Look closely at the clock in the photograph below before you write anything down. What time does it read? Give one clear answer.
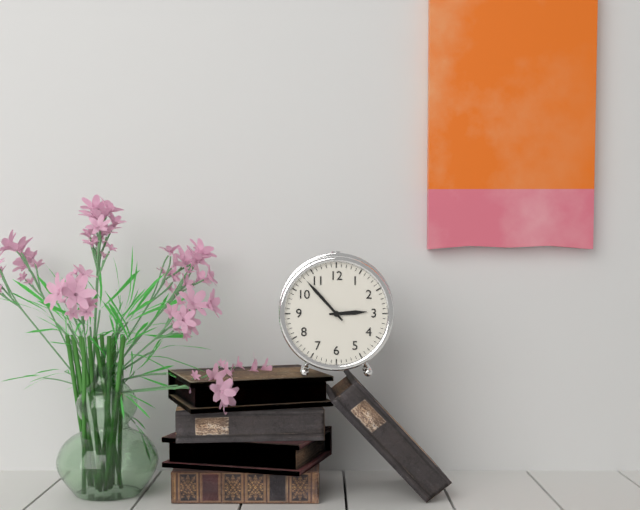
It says 2:53
